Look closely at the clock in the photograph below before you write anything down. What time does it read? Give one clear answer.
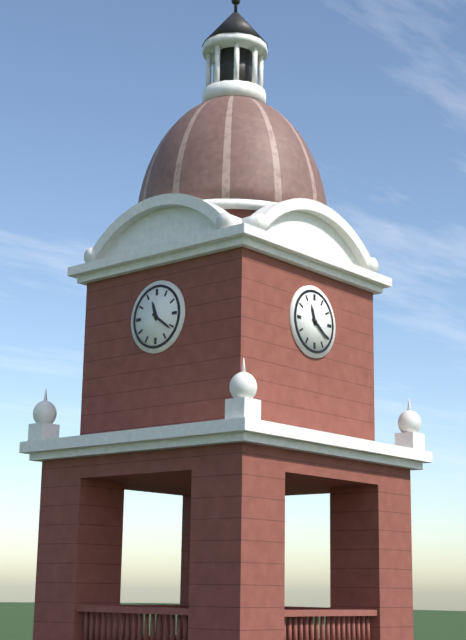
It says 11:21
